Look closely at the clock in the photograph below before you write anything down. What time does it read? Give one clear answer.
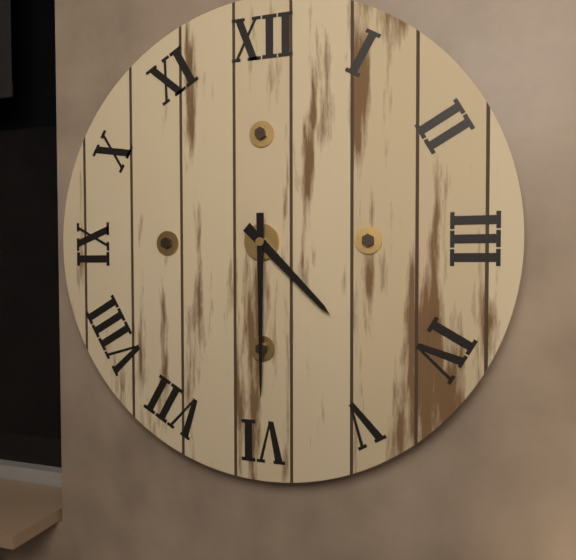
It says 4:30
